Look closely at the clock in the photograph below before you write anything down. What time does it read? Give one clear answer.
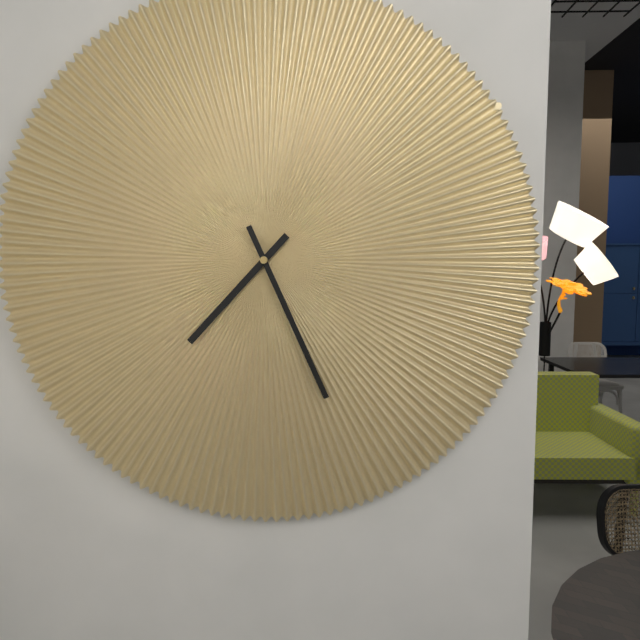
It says 7:26
